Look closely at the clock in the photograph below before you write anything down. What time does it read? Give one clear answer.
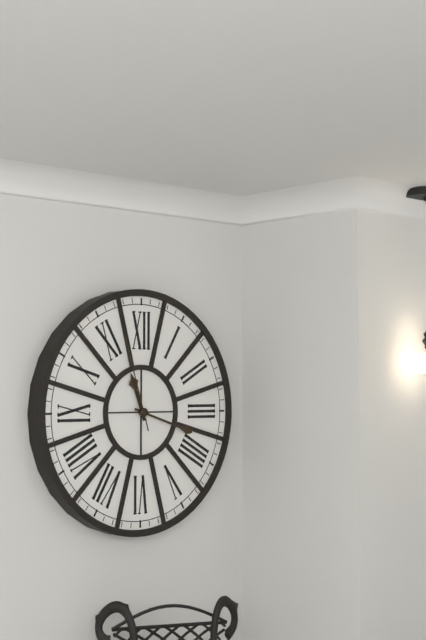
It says 11:18:57
